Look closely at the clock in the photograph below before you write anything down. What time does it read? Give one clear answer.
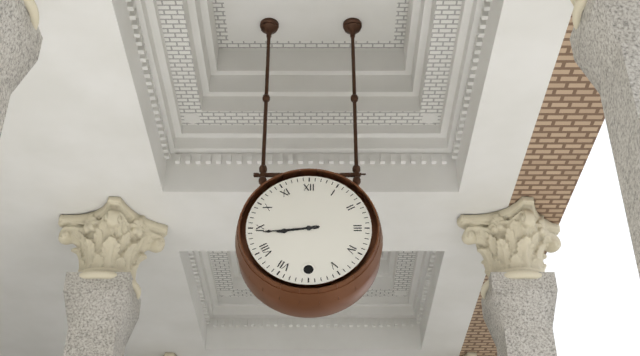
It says 8:44
